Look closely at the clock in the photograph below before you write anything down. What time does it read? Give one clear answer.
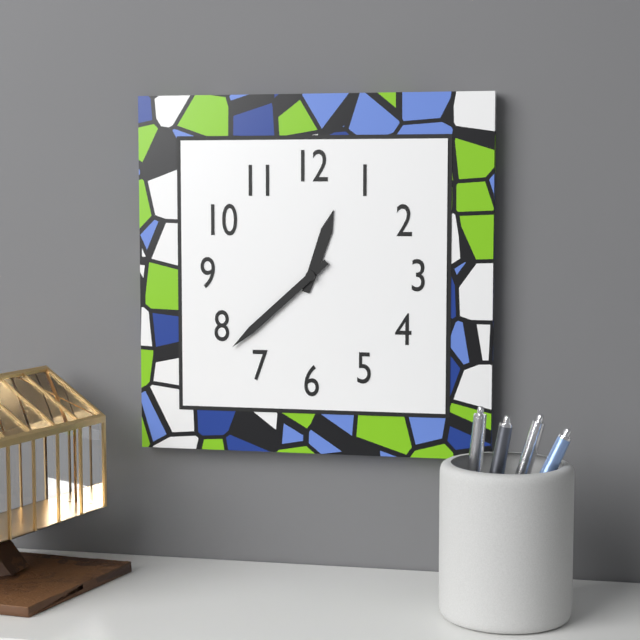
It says 12:38
